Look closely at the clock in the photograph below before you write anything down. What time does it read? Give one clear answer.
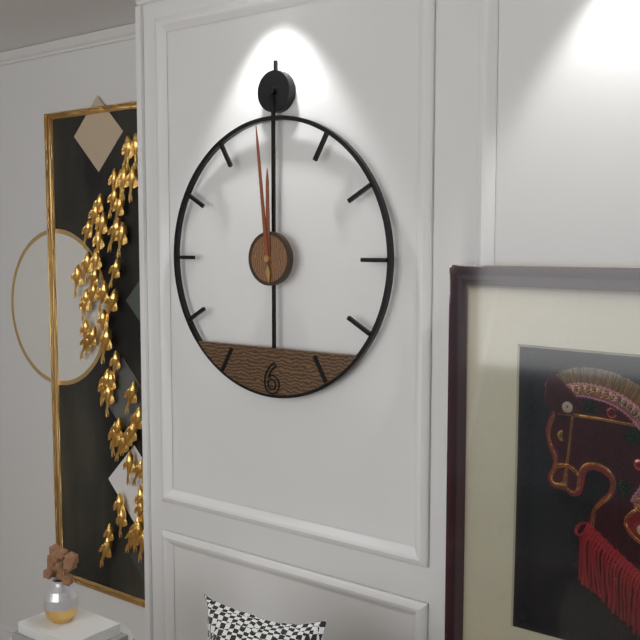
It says 11:59
